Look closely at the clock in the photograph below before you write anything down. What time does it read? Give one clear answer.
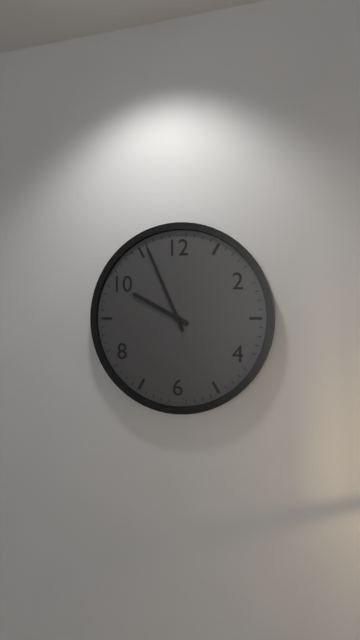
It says 9:56
